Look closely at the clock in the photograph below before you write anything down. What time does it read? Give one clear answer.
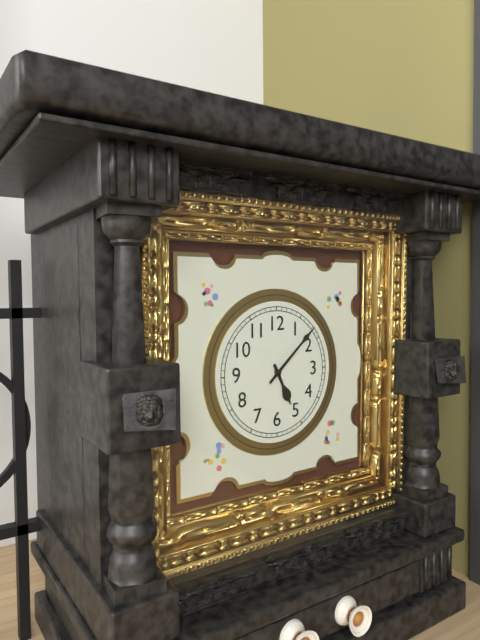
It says 5:08
